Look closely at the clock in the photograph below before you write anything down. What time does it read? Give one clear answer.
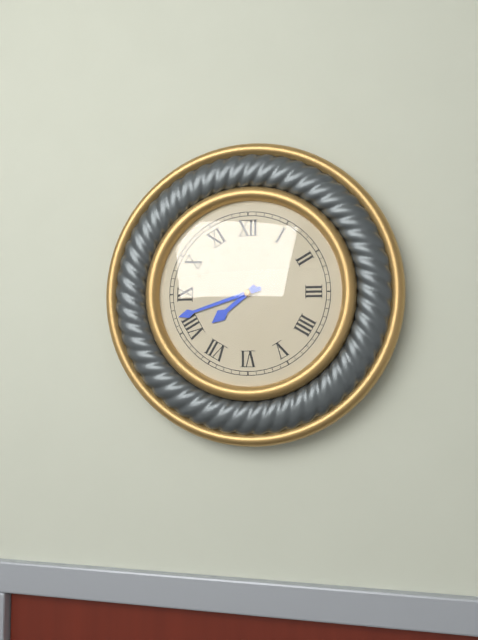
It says 7:42
